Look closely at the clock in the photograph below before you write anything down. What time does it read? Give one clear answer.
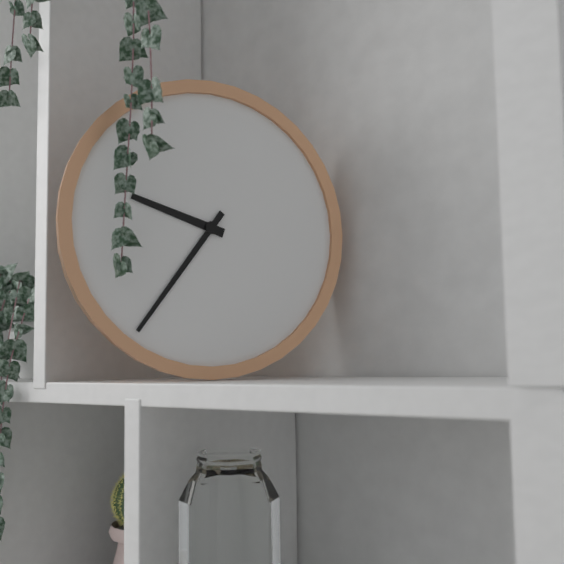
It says 9:36
